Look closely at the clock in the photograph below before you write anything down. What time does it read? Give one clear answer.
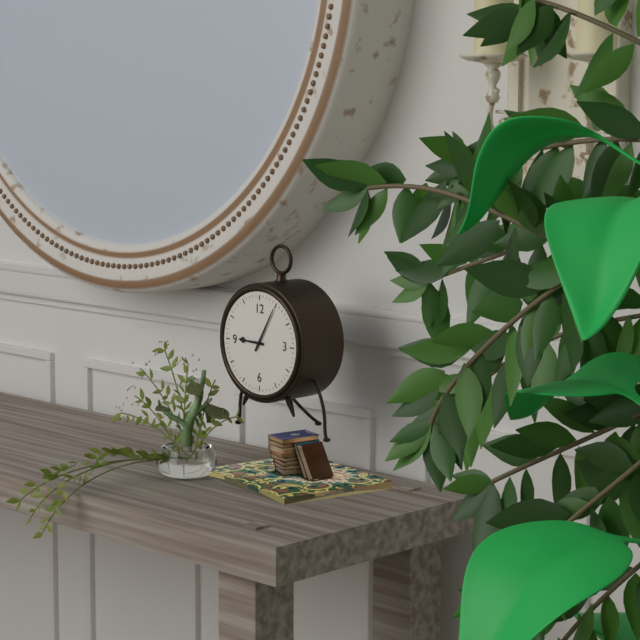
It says 9:05
